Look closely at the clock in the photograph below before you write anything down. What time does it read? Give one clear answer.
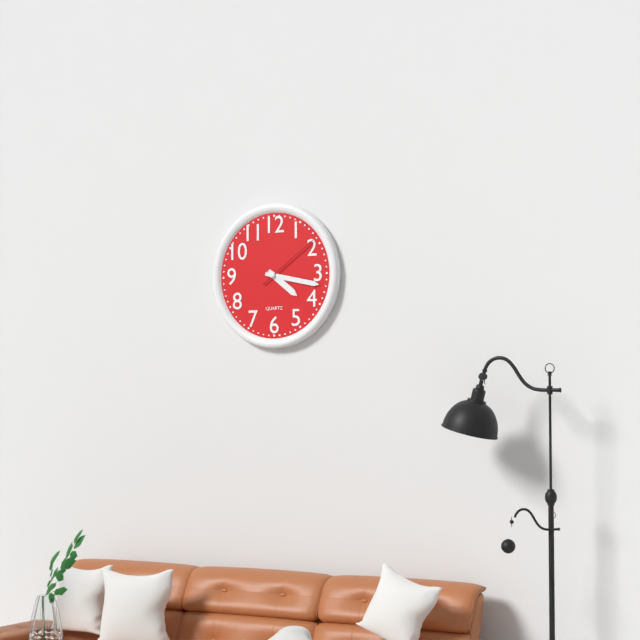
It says 4:17:09
